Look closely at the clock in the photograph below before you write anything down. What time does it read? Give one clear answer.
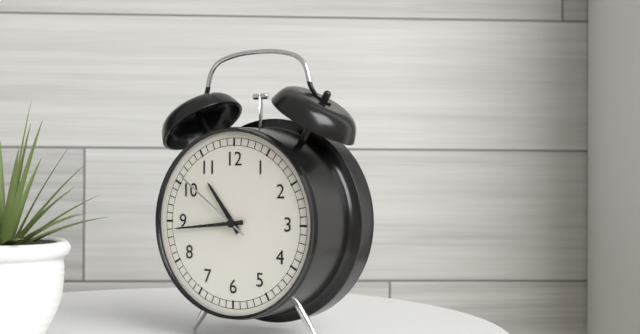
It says 10:44:51
